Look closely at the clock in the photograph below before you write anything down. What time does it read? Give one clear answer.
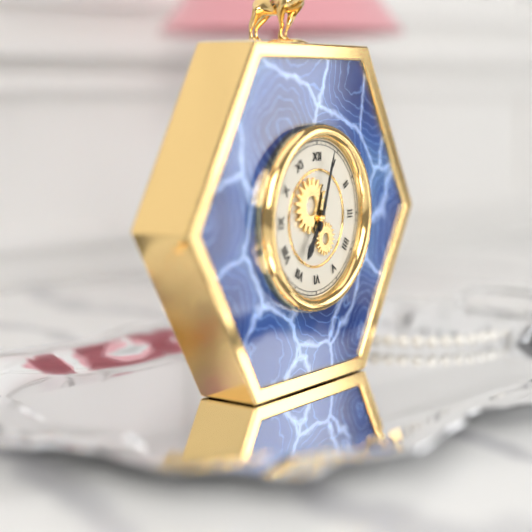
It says 7:03
